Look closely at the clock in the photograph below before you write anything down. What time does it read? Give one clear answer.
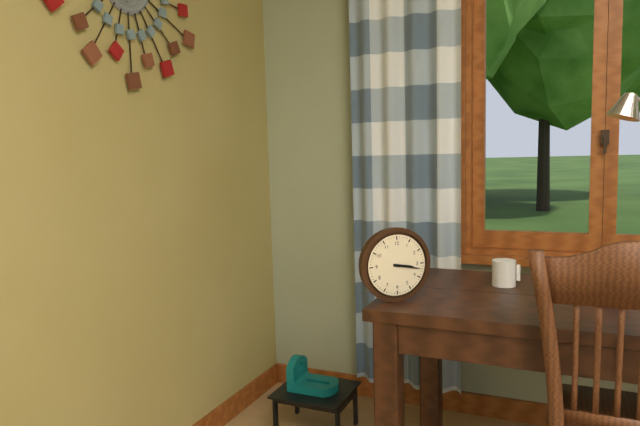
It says 3:17
